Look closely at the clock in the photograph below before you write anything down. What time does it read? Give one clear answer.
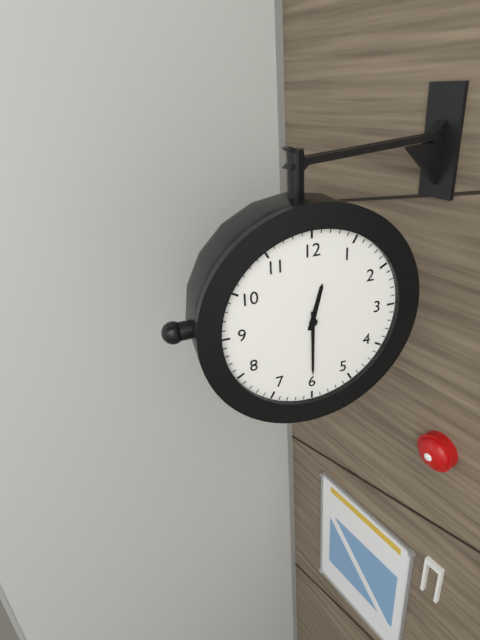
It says 12:30
